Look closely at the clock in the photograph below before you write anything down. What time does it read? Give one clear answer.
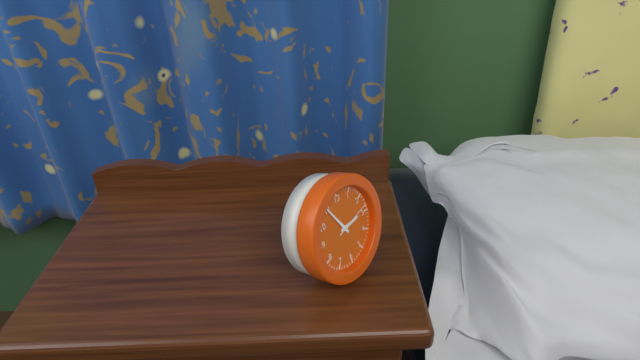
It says 2:55
